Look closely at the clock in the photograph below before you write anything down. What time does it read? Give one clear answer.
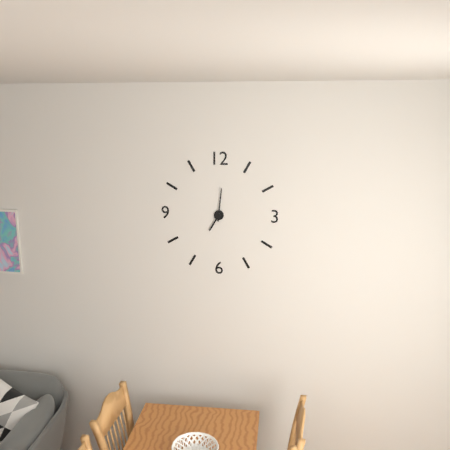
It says 7:01
